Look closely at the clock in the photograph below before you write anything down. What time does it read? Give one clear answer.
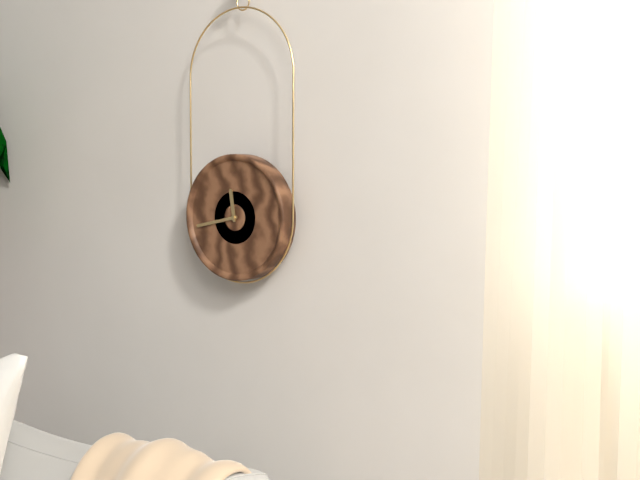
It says 11:43
